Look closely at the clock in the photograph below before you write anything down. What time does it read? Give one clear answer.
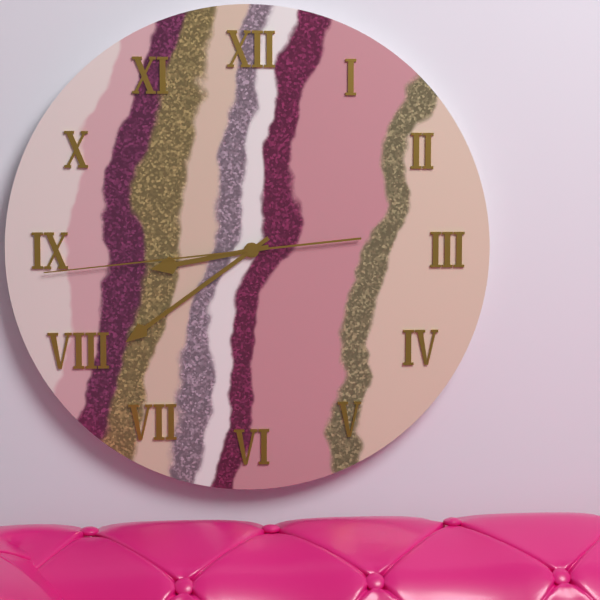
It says 8:39:44
